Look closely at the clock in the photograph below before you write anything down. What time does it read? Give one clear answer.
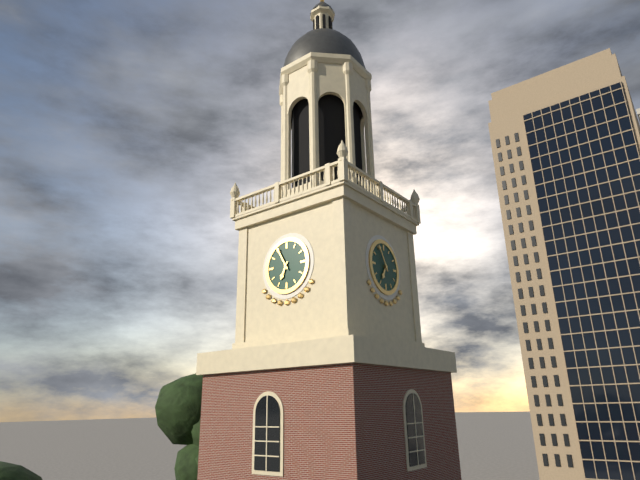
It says 6:55
